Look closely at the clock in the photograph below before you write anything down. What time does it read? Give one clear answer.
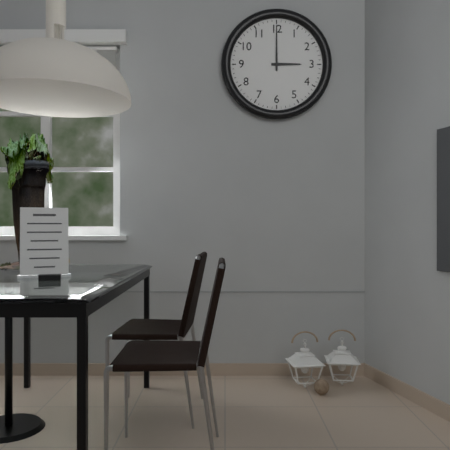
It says 3:00
